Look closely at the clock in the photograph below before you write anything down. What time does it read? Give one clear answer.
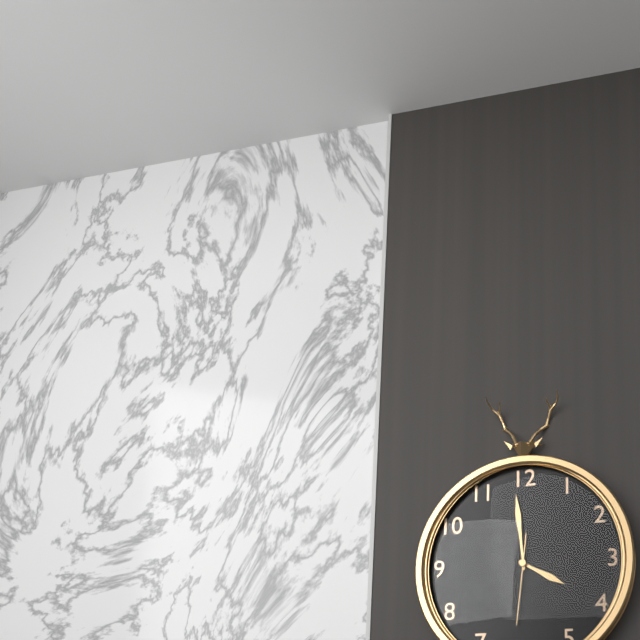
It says 3:59:31
